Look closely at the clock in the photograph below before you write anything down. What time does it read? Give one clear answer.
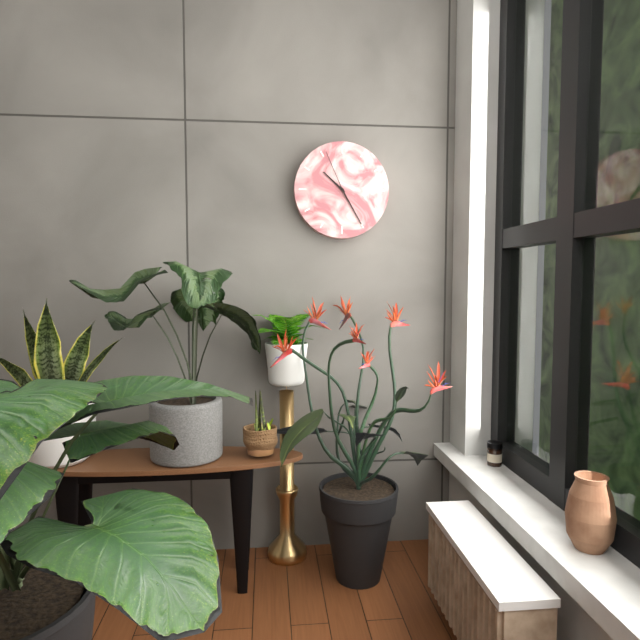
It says 10:25:56
